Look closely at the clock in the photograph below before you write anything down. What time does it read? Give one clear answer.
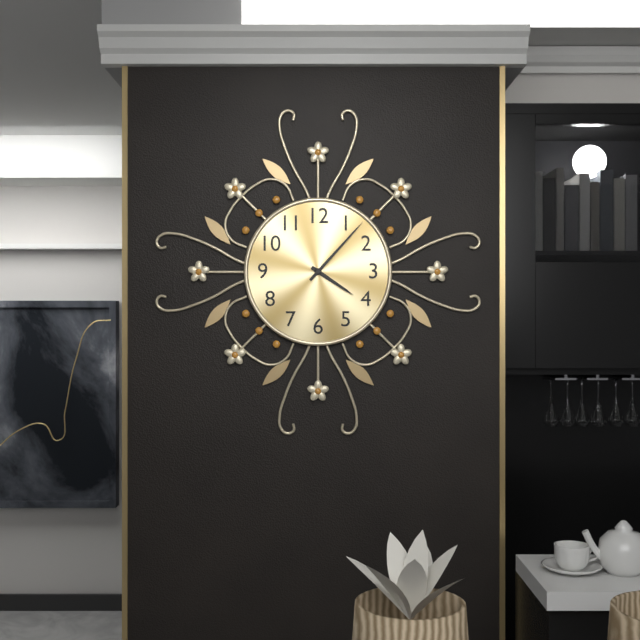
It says 4:07
